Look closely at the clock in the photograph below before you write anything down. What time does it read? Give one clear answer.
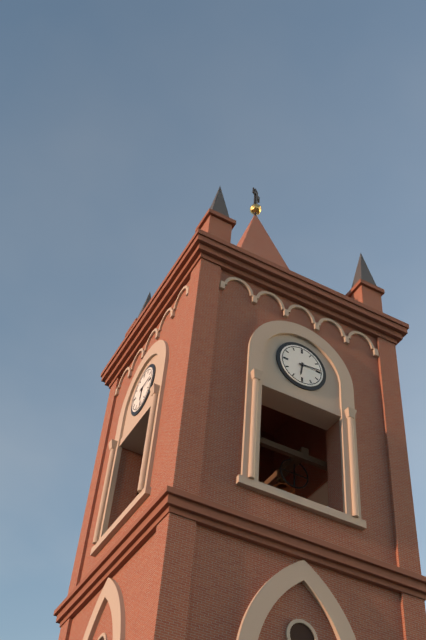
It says 6:14
